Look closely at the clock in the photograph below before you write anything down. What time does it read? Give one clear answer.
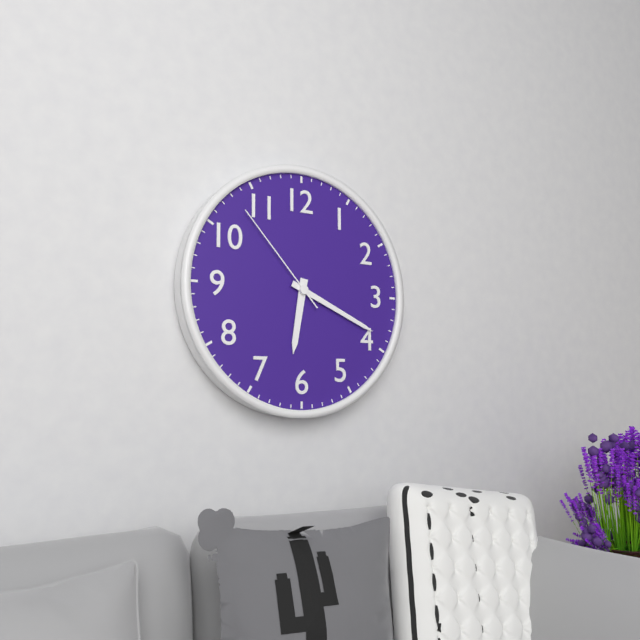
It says 6:19:53
